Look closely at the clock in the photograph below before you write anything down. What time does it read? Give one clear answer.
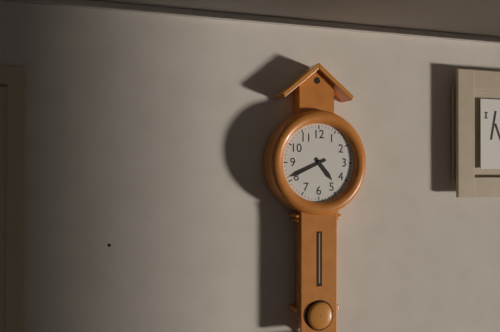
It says 4:41
